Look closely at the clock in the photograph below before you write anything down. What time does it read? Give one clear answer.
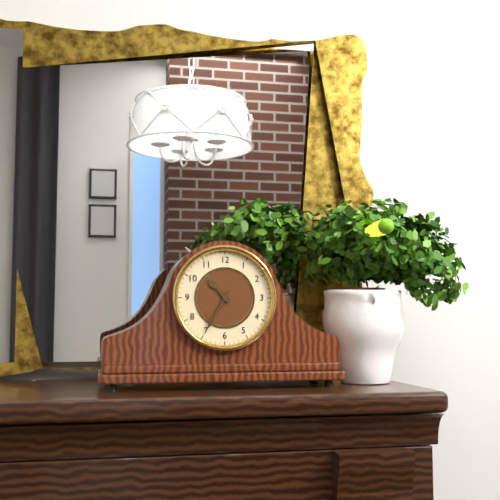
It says 10:35
